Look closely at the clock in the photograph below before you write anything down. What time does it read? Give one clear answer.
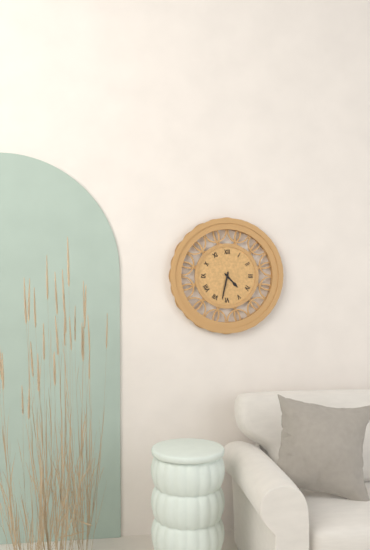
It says 4:32
